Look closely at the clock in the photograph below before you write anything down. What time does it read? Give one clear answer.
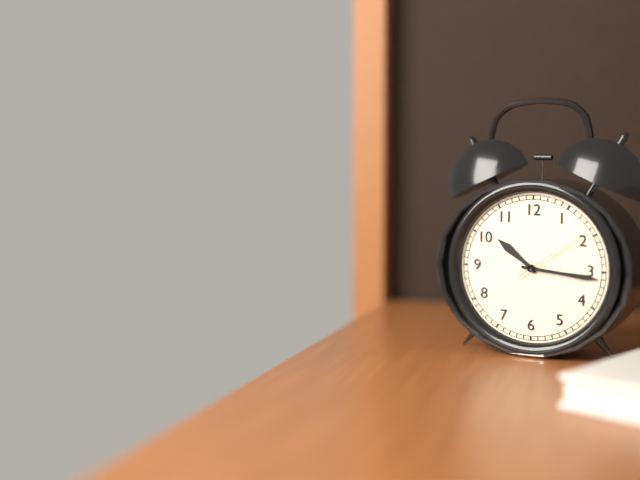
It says 10:16:09
